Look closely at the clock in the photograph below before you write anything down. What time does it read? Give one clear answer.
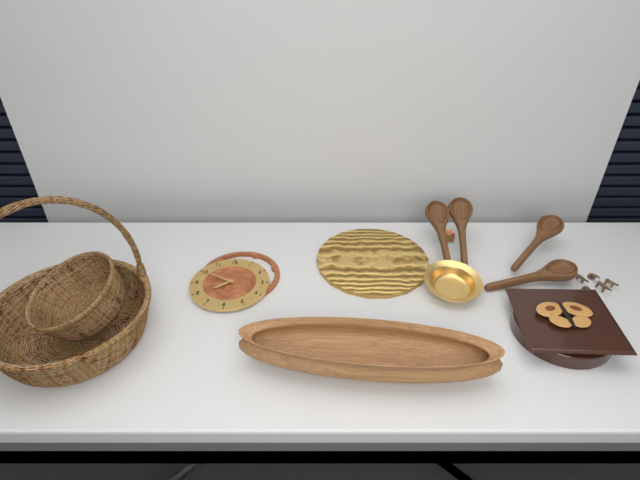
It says 7:50
